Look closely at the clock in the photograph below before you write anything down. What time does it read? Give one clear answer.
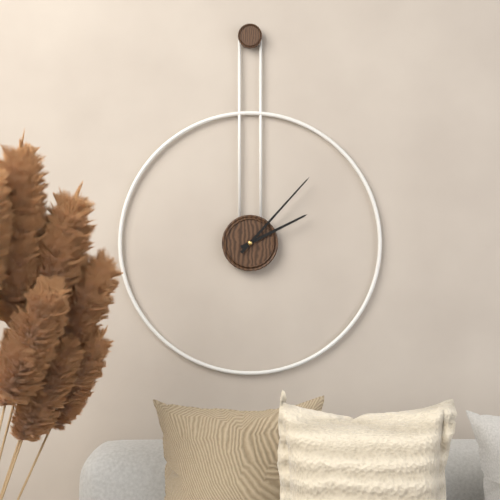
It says 2:07
